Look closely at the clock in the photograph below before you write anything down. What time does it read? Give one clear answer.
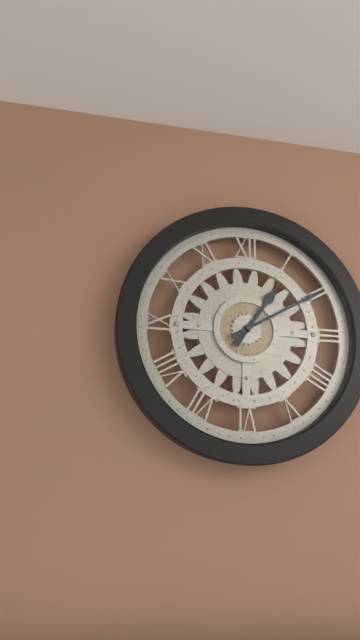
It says 1:10
